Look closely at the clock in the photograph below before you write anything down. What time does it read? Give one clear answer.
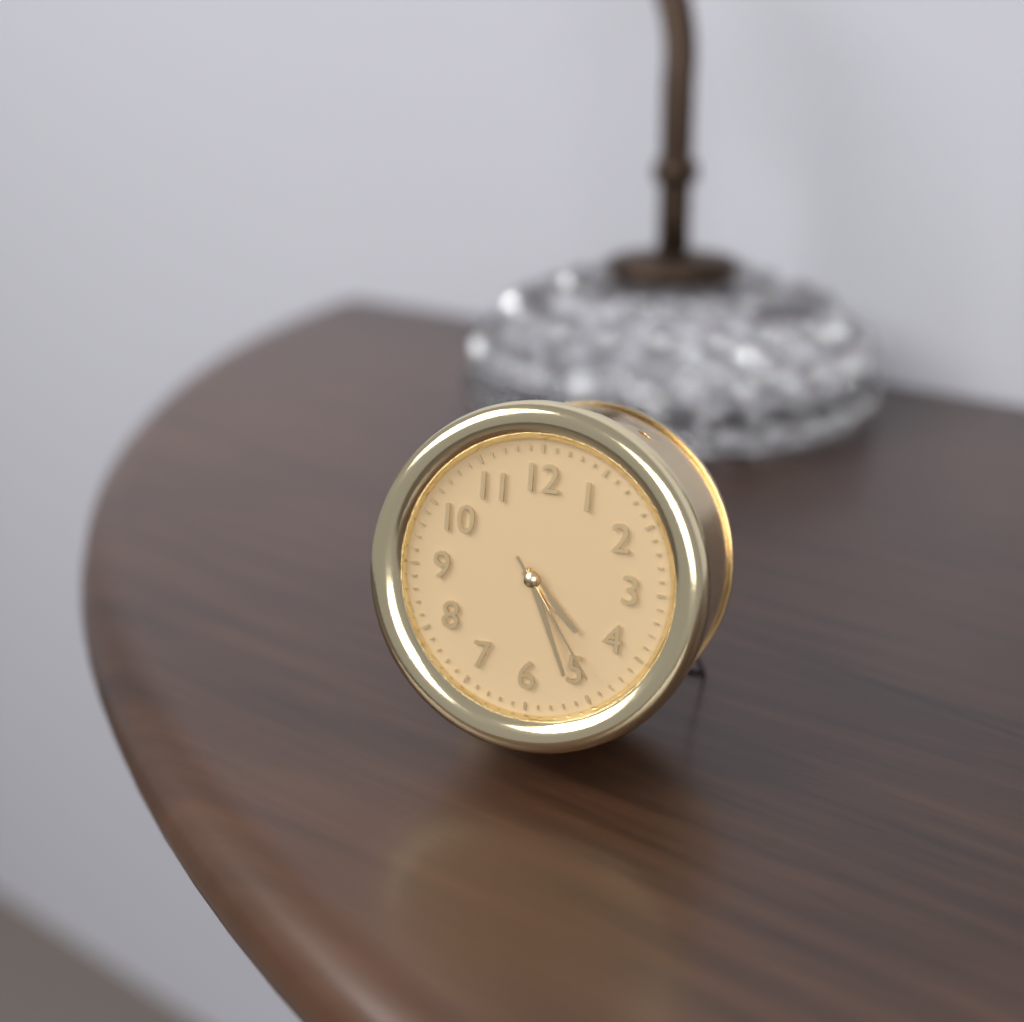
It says 4:26:24
